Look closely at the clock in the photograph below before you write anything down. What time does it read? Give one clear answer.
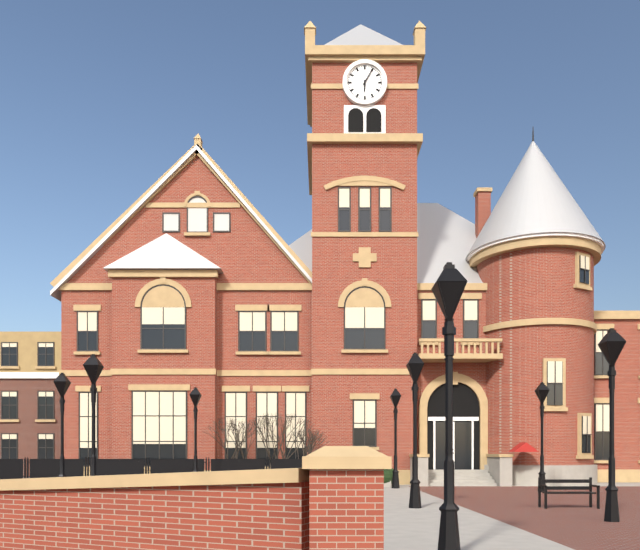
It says 6:05
